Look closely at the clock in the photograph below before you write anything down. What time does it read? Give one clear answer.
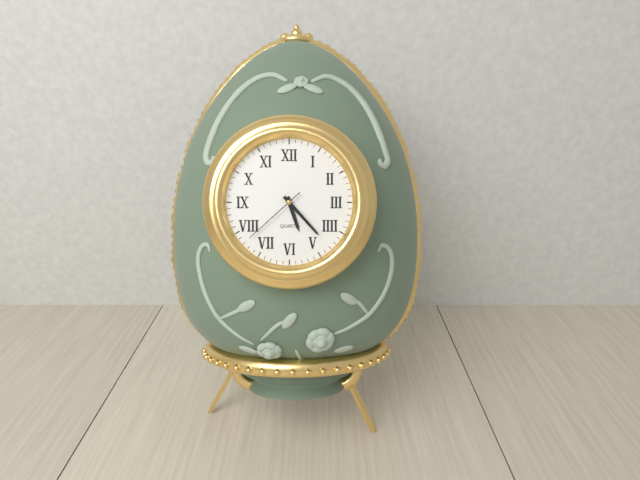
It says 5:23:38
